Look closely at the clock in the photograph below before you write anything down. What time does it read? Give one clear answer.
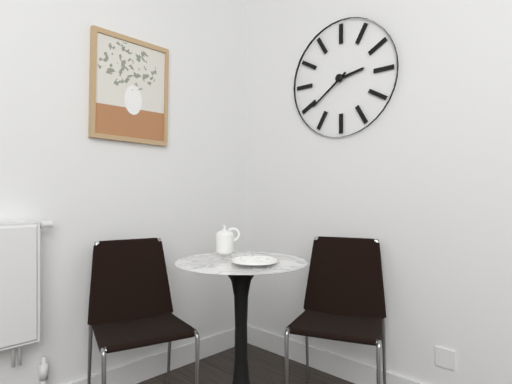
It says 2:39
